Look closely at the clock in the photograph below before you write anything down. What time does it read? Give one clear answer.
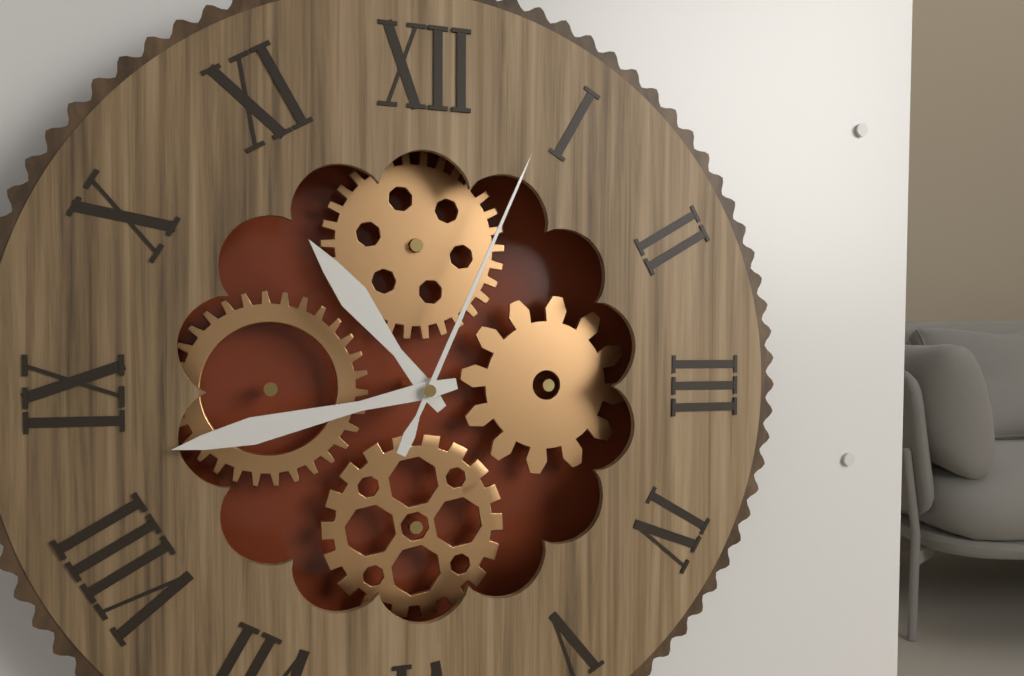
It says 10:43:04
